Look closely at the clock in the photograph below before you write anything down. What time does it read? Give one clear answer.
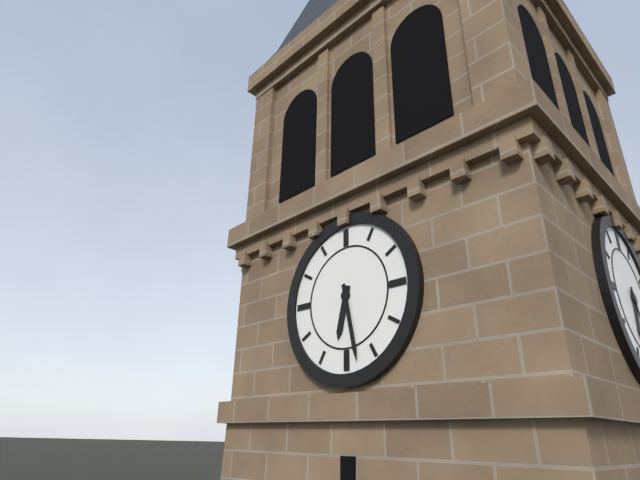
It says 6:28
